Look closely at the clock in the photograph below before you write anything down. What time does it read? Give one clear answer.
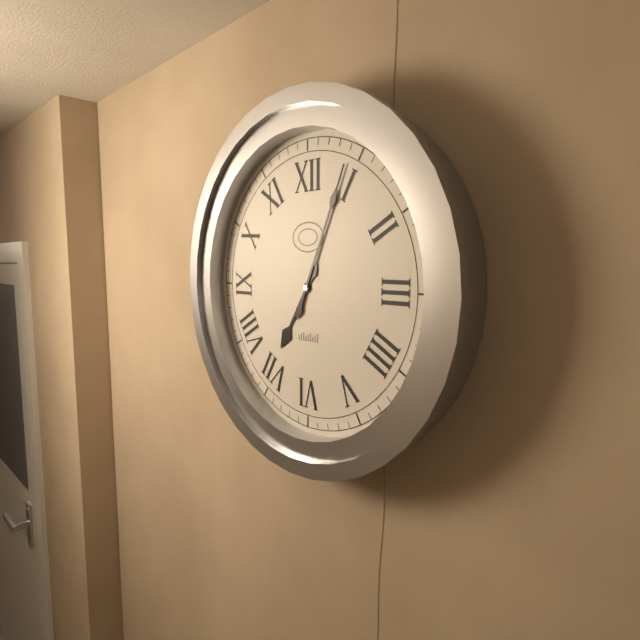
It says 7:04
